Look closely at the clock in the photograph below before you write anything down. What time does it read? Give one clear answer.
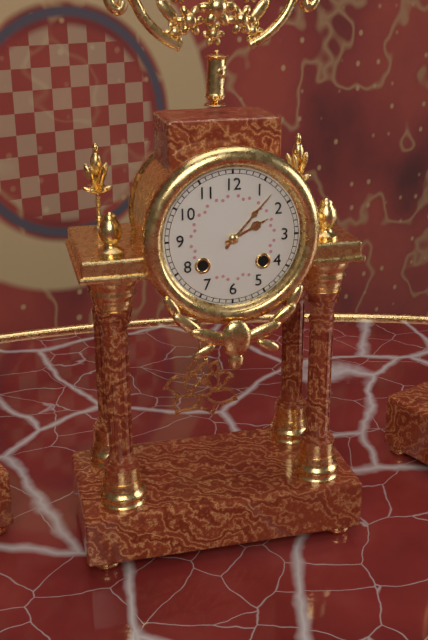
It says 2:07
